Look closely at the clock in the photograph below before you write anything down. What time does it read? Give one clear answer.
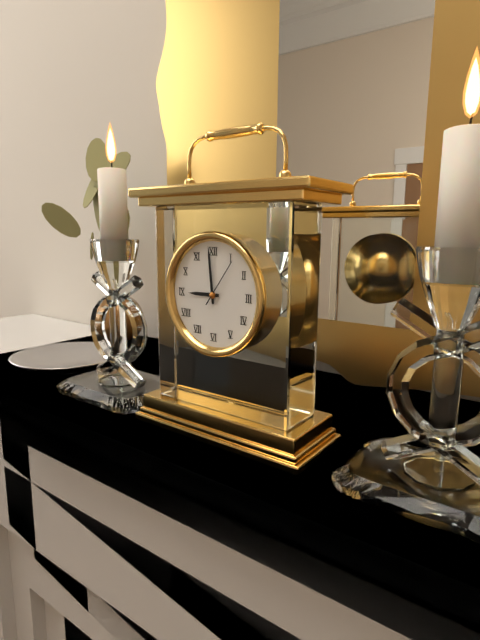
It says 8:59
